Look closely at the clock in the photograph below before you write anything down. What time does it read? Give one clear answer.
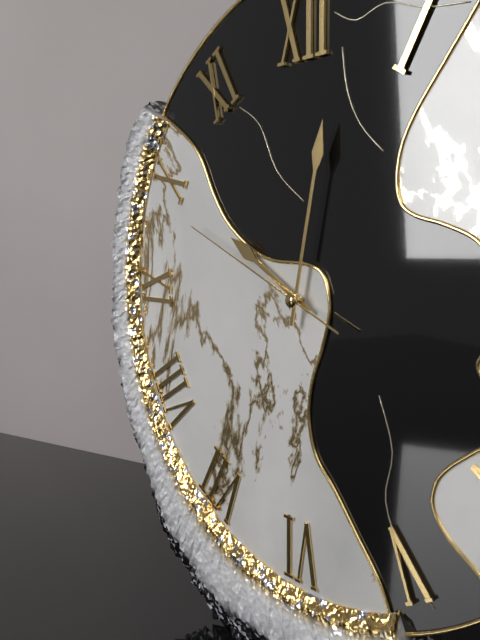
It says 10:02:49
